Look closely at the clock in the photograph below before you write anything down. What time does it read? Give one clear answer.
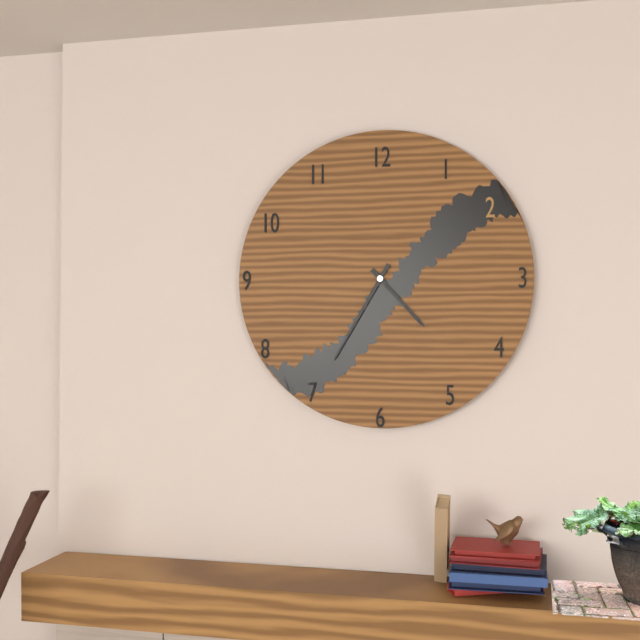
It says 4:35
